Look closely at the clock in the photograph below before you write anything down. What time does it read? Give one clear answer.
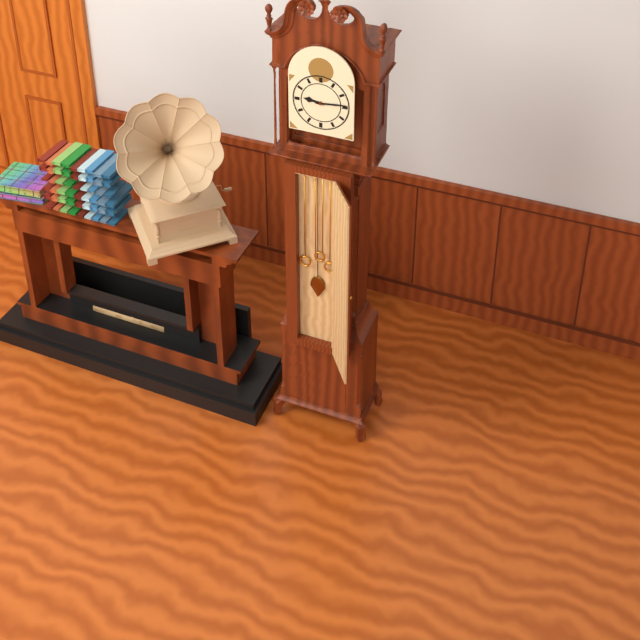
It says 9:14
